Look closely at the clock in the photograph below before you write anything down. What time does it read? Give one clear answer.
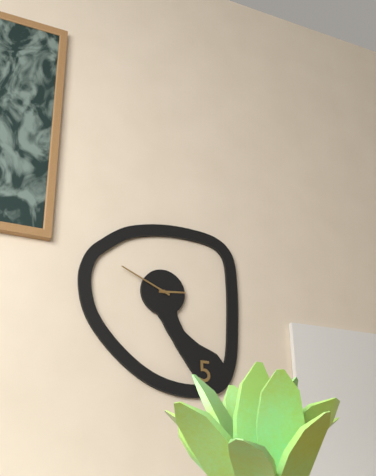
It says 2:49
